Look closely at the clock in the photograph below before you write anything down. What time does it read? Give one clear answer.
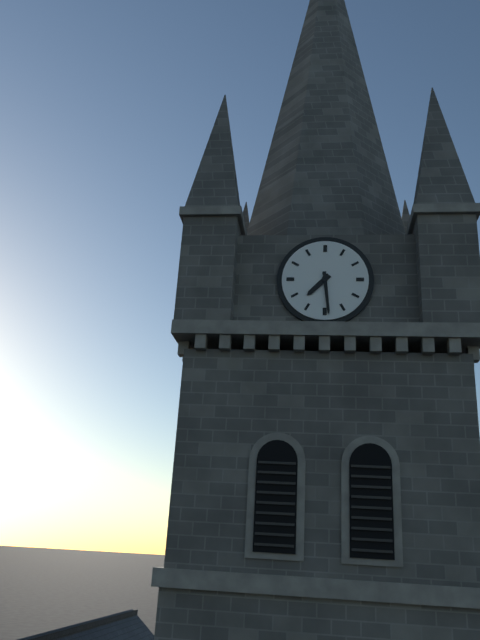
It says 7:29
